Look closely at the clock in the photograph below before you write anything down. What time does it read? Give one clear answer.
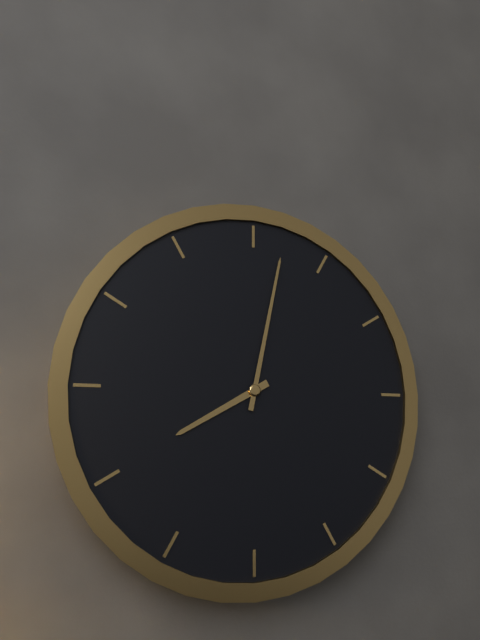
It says 8:02
